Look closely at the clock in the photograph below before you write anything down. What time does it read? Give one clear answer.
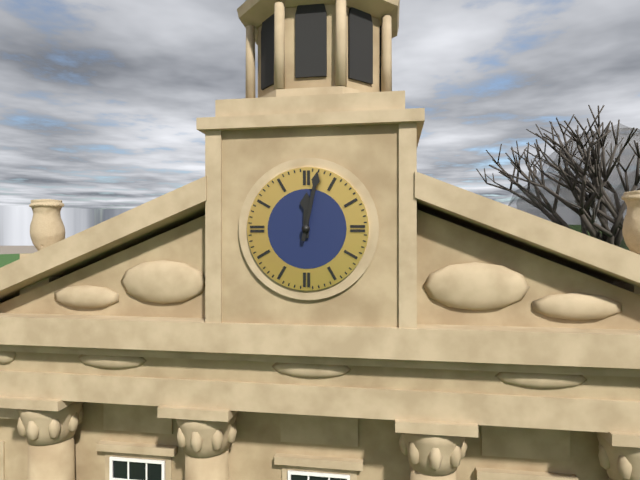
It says 12:02
